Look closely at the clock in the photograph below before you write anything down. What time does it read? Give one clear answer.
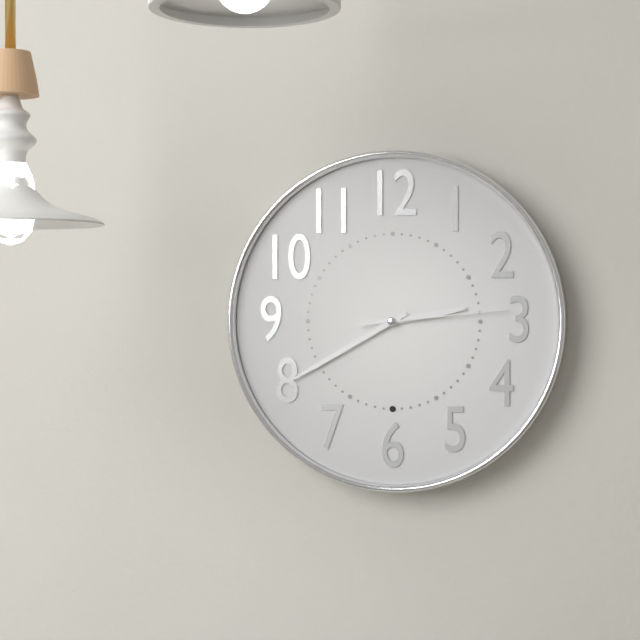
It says 2:40:14
